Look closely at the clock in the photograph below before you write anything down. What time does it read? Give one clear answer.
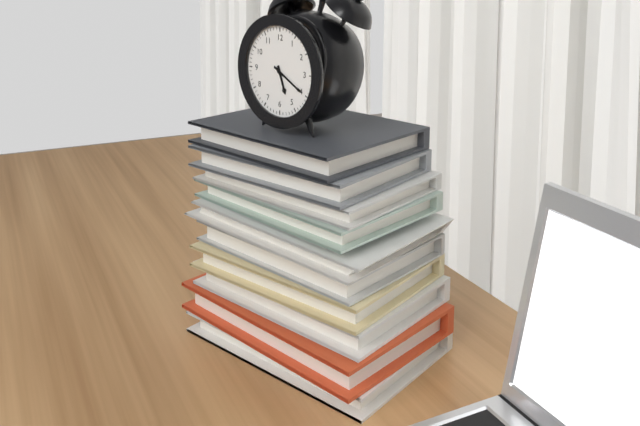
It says 5:20
